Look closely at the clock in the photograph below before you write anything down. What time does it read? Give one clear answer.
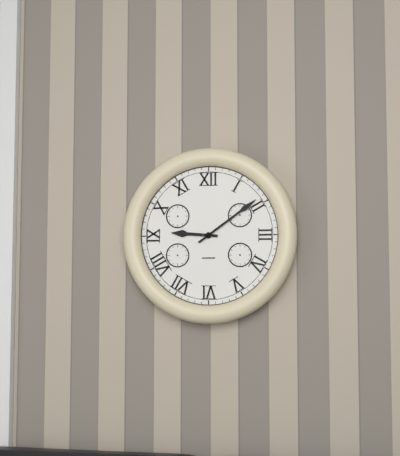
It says 9:09
